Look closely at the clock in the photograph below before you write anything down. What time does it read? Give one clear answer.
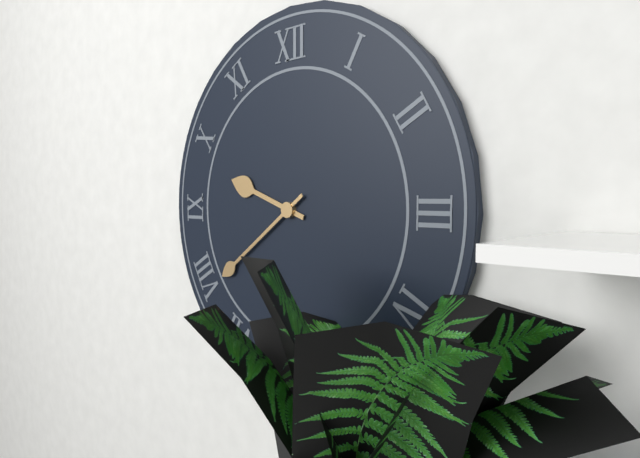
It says 9:39
